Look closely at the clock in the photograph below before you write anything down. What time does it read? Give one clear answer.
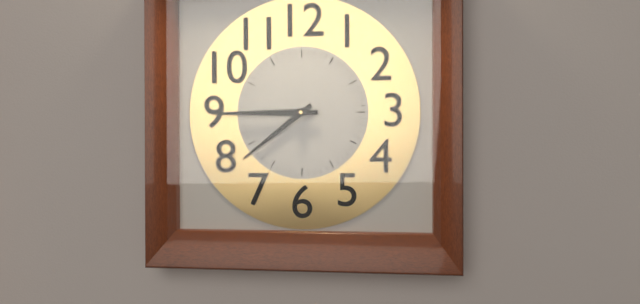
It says 7:45
